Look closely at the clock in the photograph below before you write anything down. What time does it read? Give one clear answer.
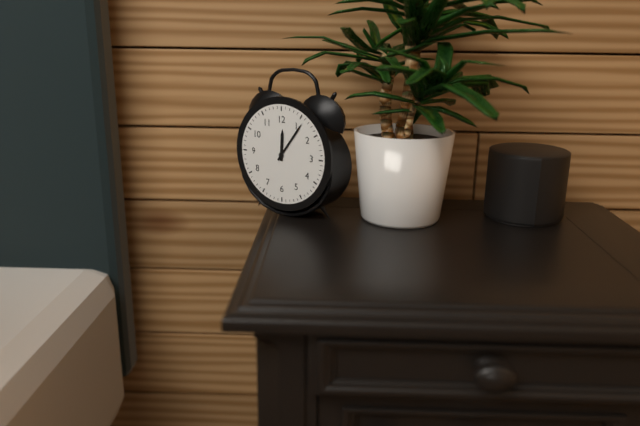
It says 12:06
